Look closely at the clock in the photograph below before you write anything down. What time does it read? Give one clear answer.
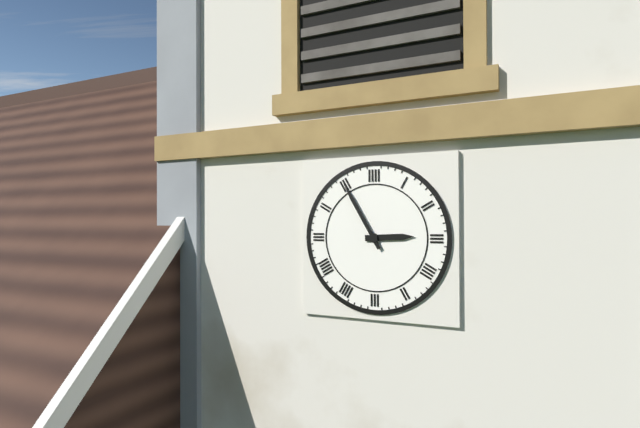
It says 2:55
